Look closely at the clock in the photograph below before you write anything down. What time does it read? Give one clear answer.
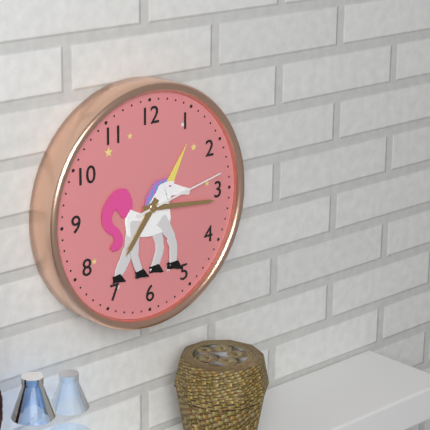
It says 7:16:13
